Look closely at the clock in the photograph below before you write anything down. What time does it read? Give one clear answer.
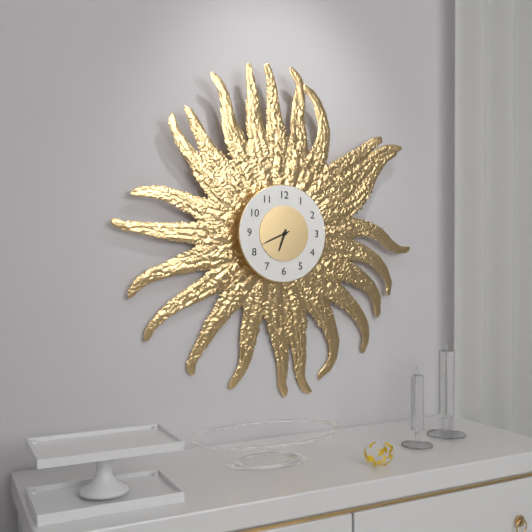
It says 6:41
